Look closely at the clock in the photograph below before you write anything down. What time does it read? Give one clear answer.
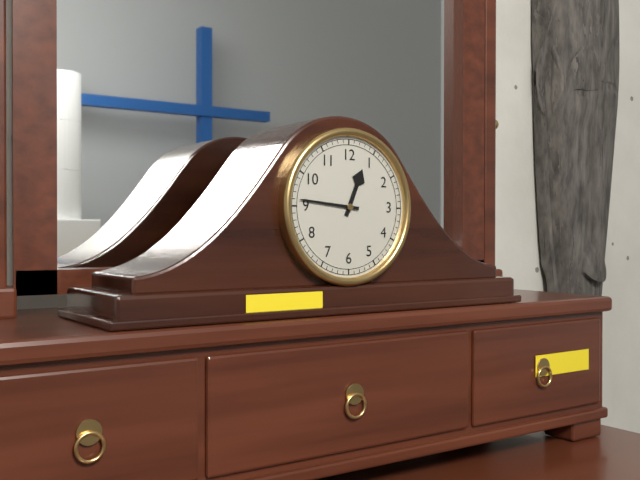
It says 12:46
